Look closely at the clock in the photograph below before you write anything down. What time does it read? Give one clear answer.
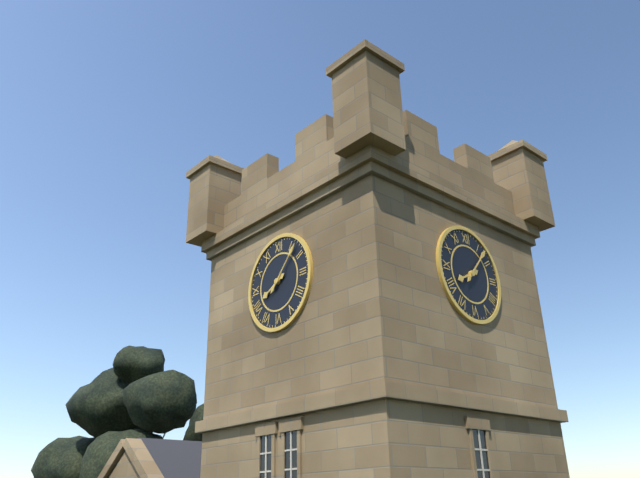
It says 8:07
